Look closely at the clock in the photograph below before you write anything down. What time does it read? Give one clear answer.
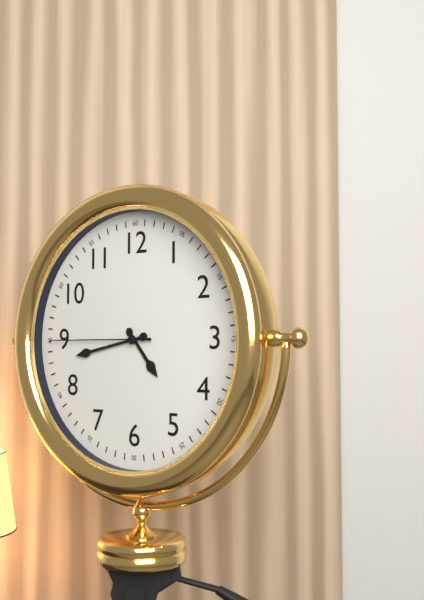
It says 4:43:45
